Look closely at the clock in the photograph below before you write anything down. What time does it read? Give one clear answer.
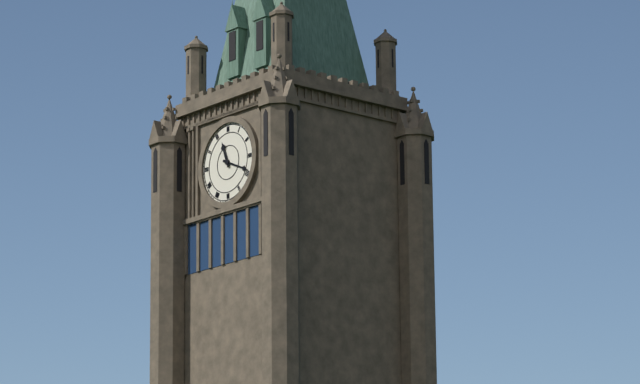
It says 11:19
